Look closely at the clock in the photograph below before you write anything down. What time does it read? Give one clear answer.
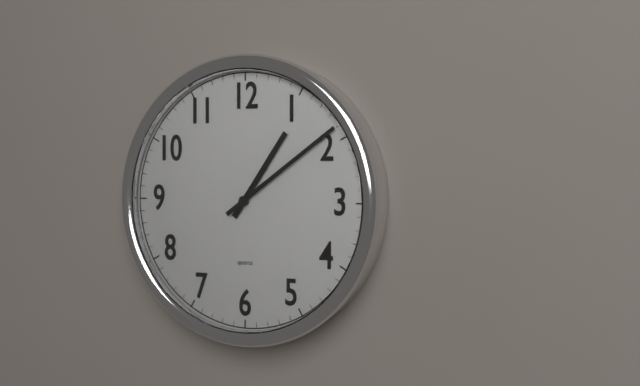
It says 1:09
